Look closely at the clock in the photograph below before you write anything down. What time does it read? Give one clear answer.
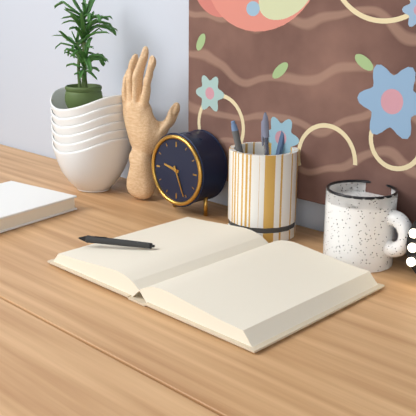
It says 9:26
